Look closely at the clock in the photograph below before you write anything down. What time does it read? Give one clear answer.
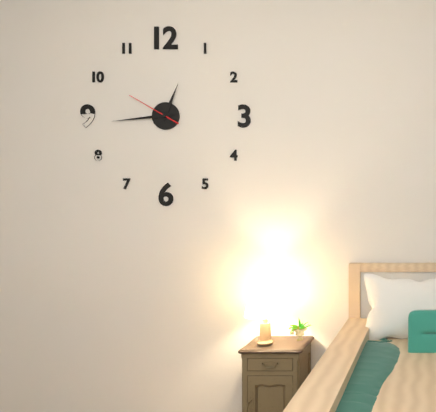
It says 12:44:50
